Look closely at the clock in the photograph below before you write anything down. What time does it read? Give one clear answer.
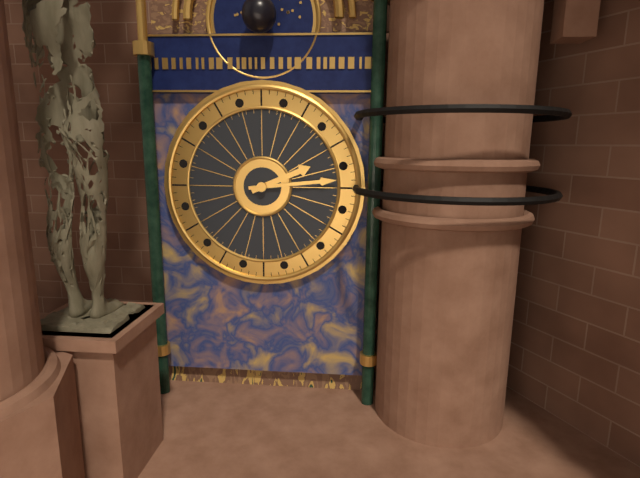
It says 2:14
